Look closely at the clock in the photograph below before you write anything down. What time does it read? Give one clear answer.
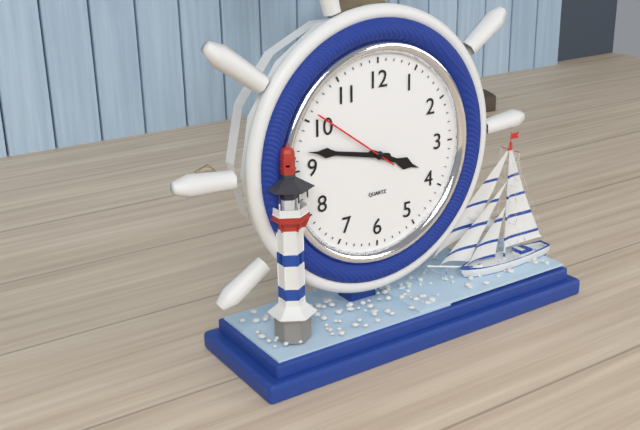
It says 3:47:51
